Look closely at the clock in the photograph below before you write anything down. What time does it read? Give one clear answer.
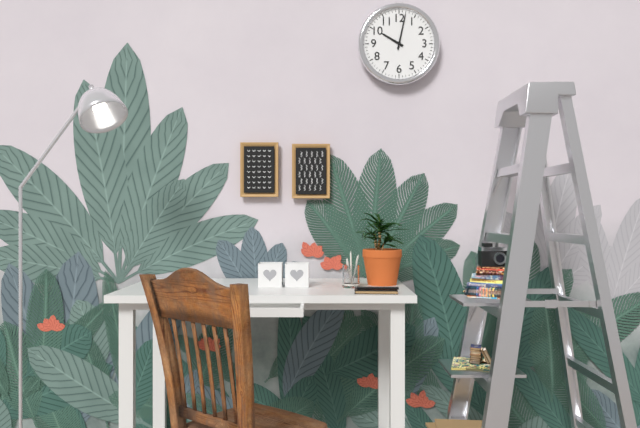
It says 10:02
